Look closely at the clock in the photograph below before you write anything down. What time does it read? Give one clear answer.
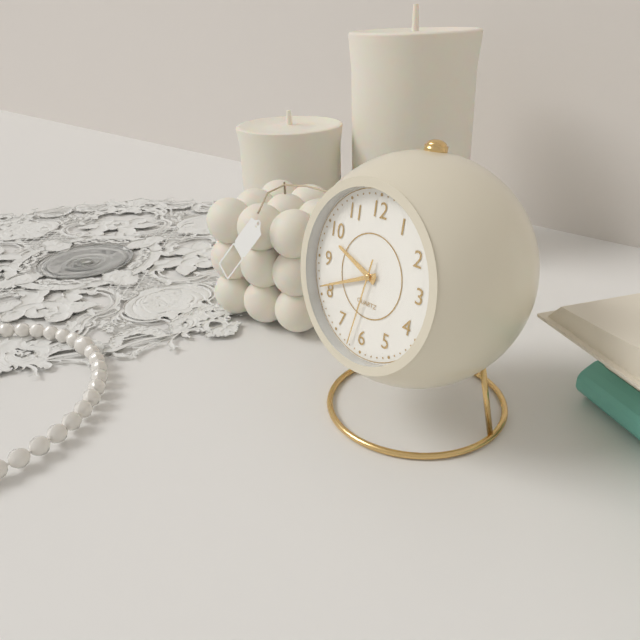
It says 9:41:32
